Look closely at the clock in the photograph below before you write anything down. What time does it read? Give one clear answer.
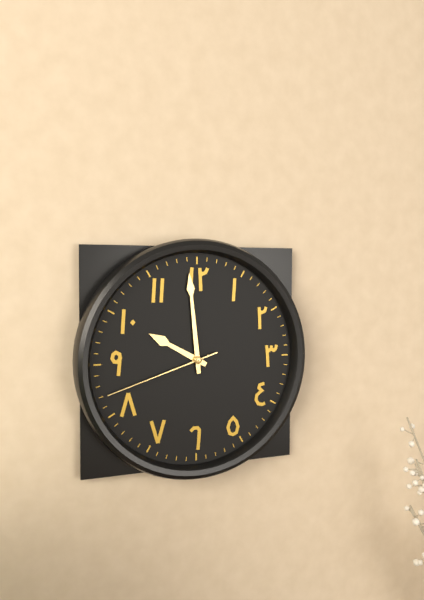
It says 9:59:42
